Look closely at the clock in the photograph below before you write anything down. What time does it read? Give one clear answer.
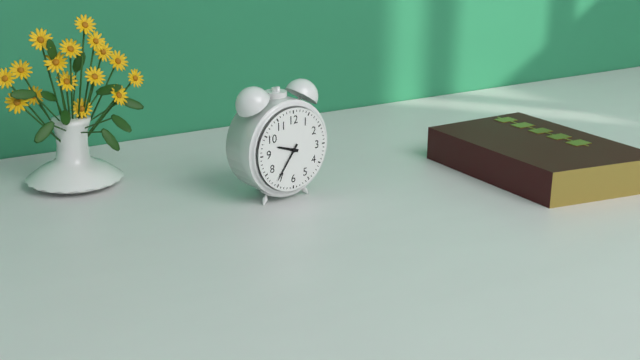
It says 9:36
